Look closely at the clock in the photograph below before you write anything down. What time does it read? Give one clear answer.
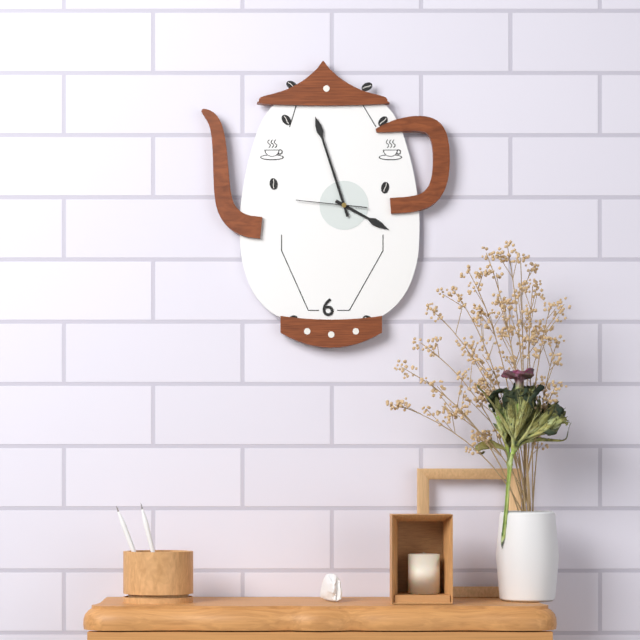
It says 3:57:46
